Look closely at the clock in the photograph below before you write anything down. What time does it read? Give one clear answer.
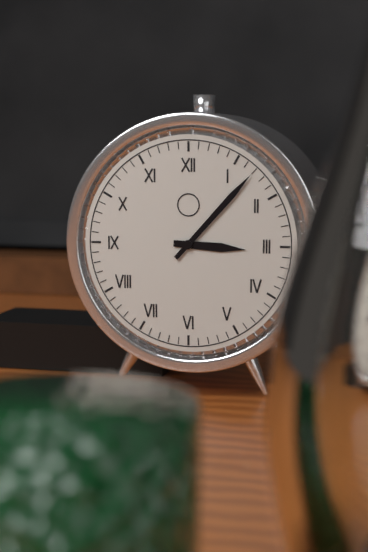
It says 3:07
